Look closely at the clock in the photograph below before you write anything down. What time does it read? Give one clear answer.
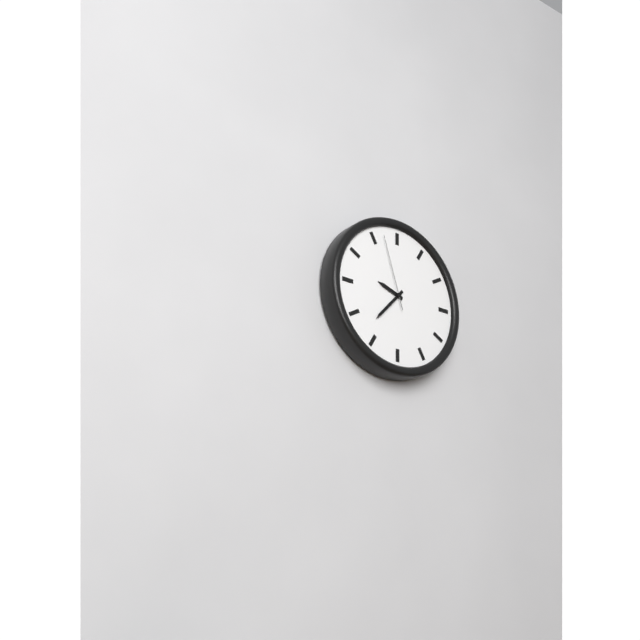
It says 9:37:57
